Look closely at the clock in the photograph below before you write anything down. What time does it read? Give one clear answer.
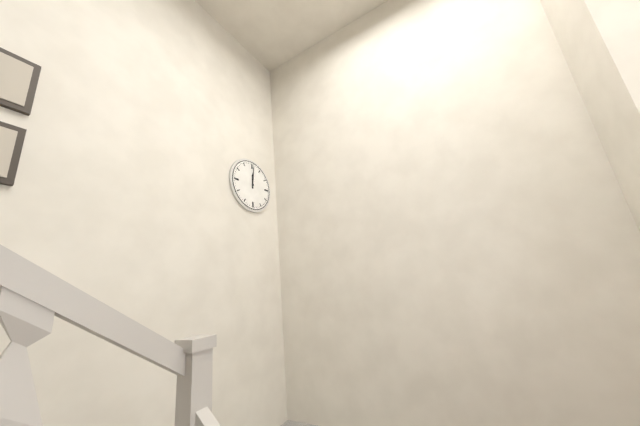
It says 12:01
